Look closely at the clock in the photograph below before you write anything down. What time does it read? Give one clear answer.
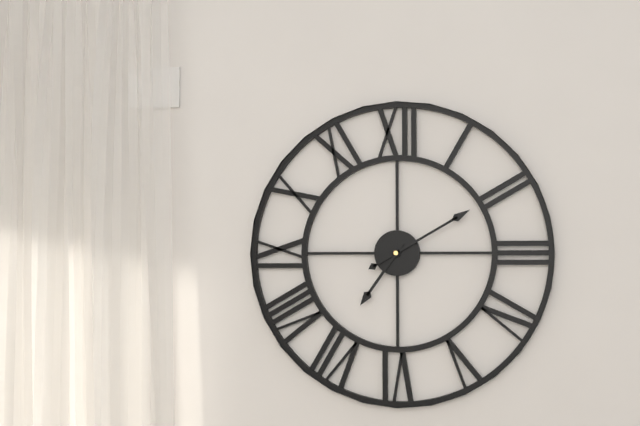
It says 7:10
